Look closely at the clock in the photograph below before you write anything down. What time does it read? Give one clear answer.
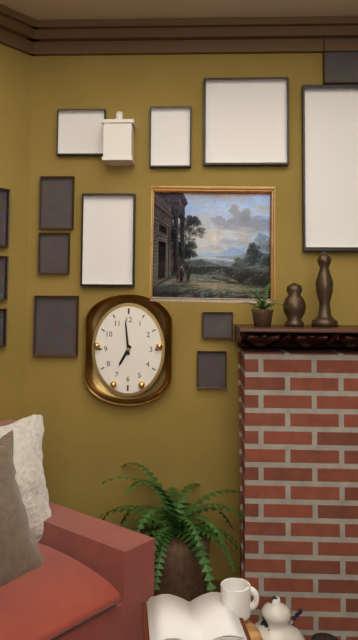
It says 6:59
